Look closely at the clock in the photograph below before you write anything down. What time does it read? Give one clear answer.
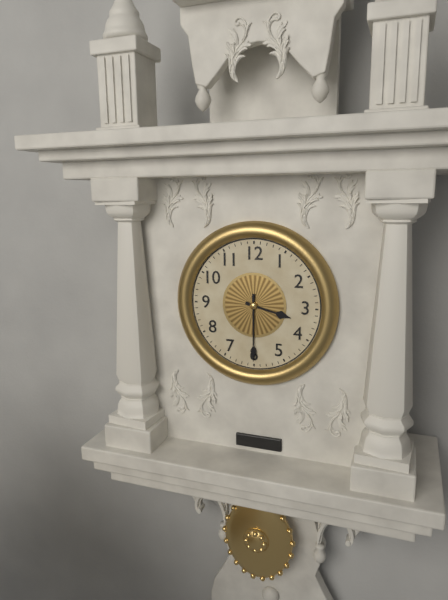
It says 3:30
